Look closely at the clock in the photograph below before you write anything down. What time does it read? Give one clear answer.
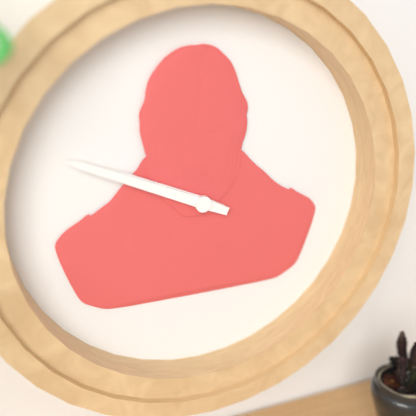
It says 9:49
